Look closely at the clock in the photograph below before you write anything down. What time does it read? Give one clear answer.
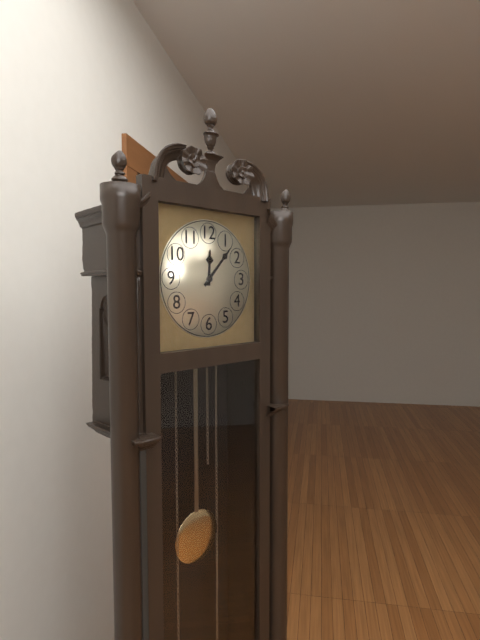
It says 12:07
